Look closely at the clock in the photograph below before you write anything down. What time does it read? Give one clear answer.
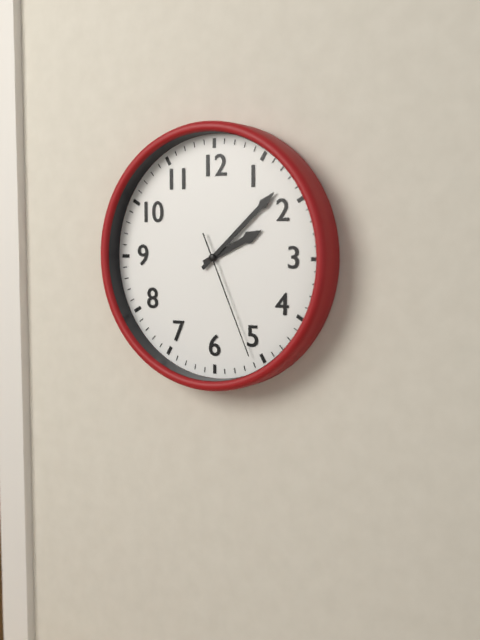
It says 2:08:26
